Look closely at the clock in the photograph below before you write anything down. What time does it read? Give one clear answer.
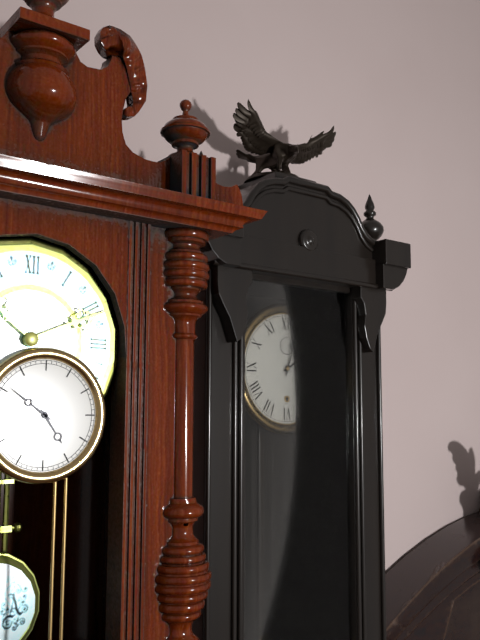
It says 2:03
